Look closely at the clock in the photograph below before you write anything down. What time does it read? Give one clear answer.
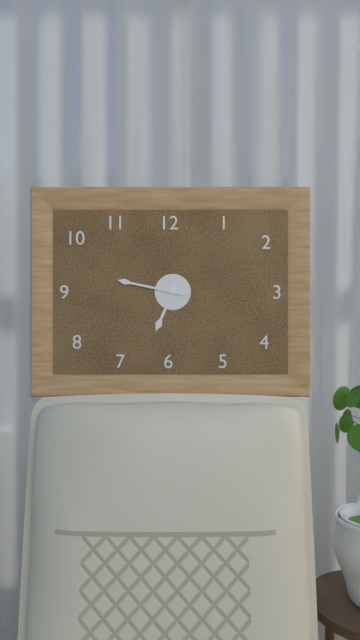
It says 6:47
